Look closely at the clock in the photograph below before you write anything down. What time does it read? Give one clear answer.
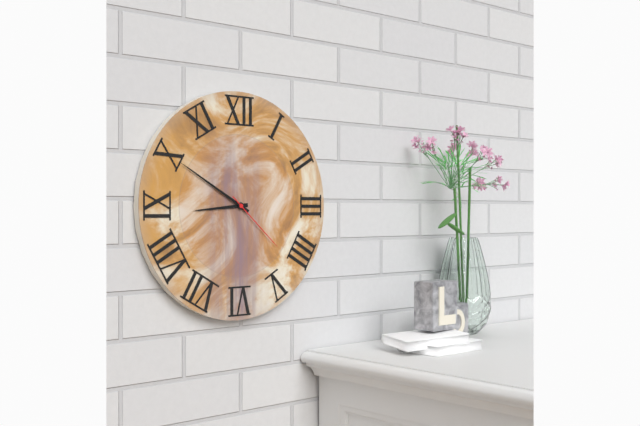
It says 8:50:22
